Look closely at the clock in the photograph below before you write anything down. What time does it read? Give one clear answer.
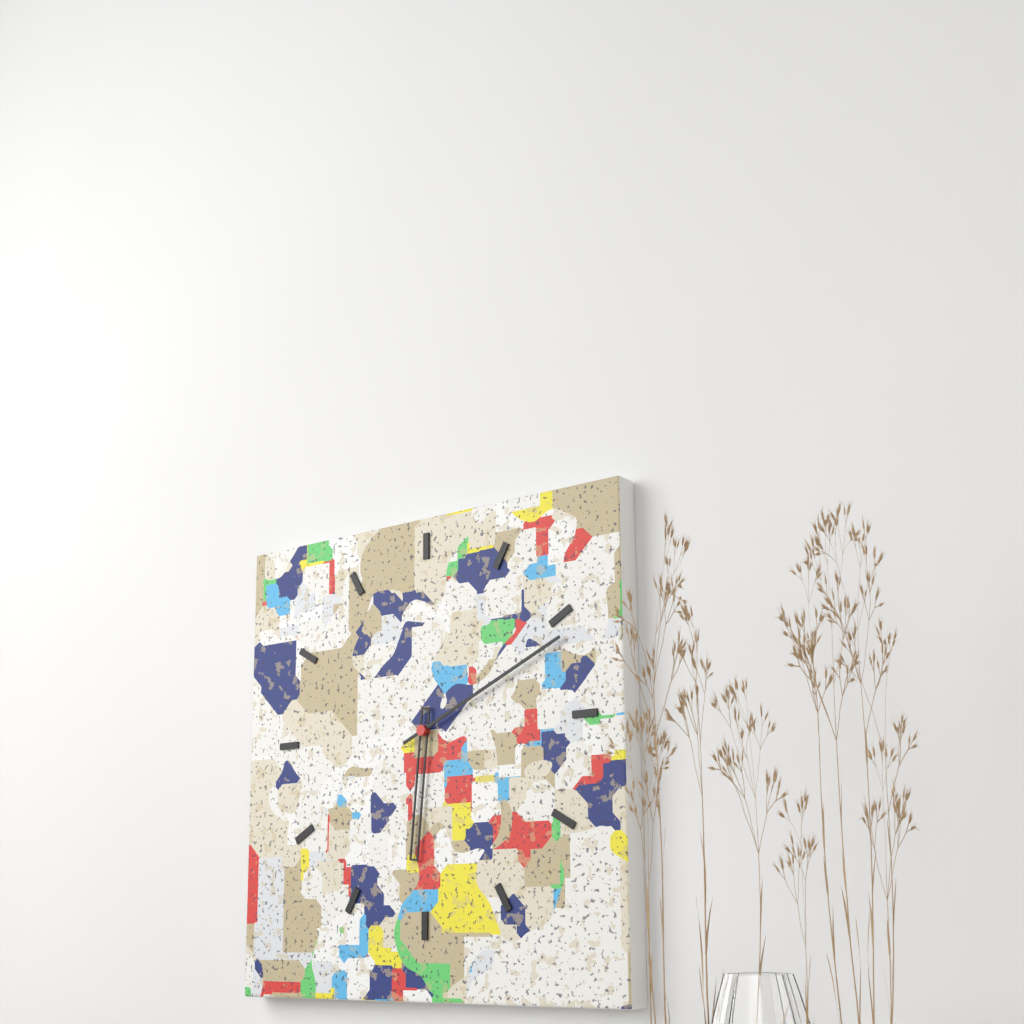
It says 6:11
